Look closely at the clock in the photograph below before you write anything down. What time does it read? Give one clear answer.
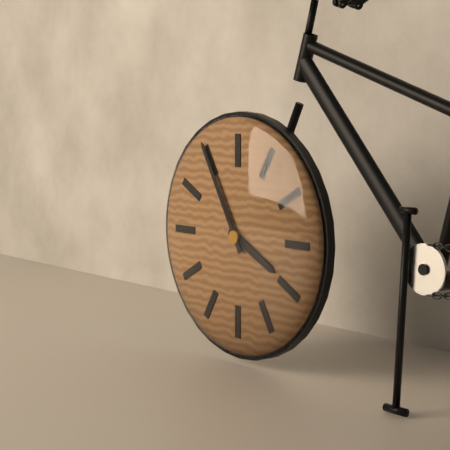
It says 3:55
